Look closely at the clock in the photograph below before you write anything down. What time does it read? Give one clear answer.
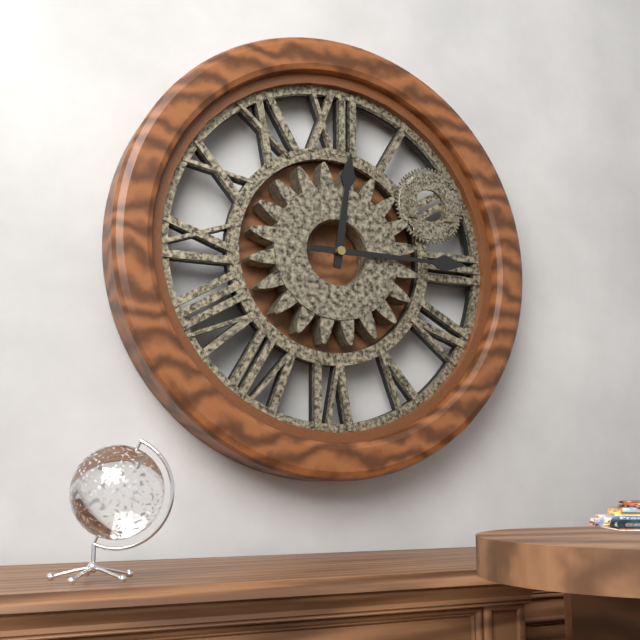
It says 12:15
